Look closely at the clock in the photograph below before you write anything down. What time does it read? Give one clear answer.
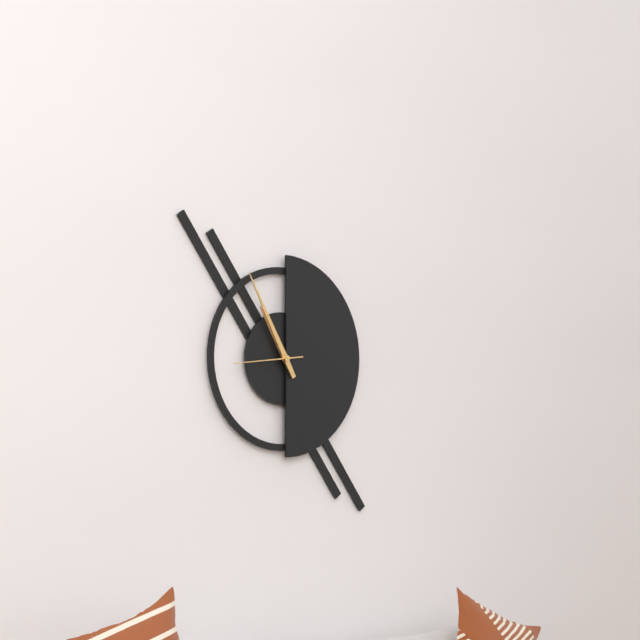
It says 10:55:44
